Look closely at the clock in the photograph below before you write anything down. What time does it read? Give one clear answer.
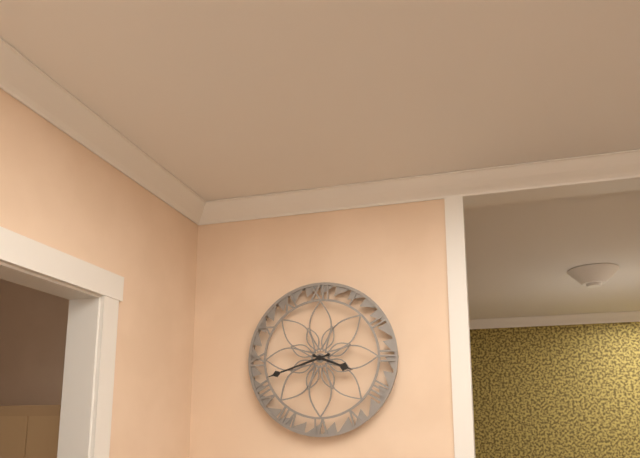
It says 3:42
